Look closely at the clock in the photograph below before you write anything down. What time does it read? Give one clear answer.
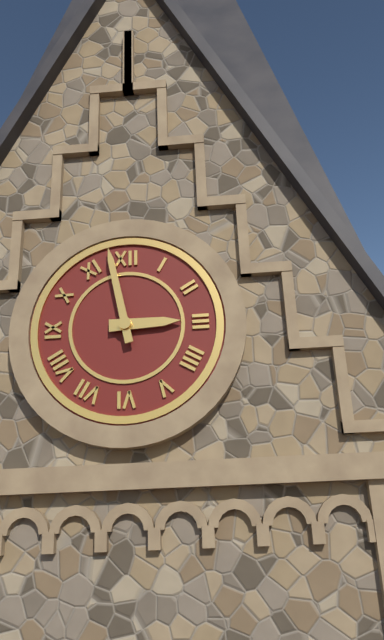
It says 2:58
